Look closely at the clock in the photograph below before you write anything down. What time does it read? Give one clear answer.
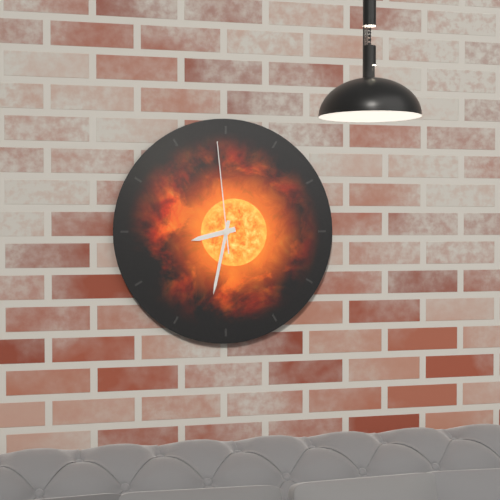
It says 8:32:59
